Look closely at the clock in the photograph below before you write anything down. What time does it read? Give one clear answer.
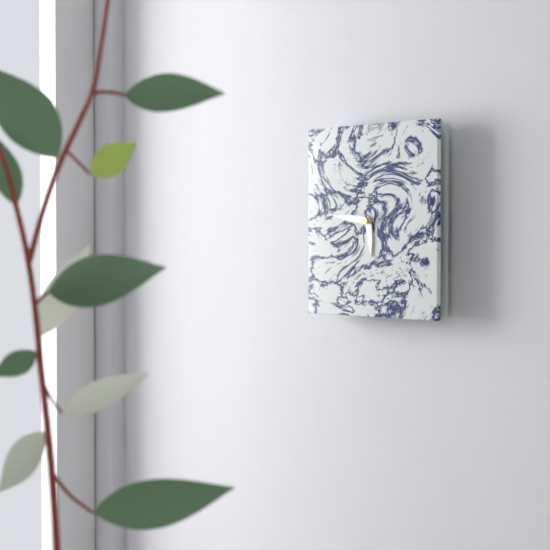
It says 5:46
